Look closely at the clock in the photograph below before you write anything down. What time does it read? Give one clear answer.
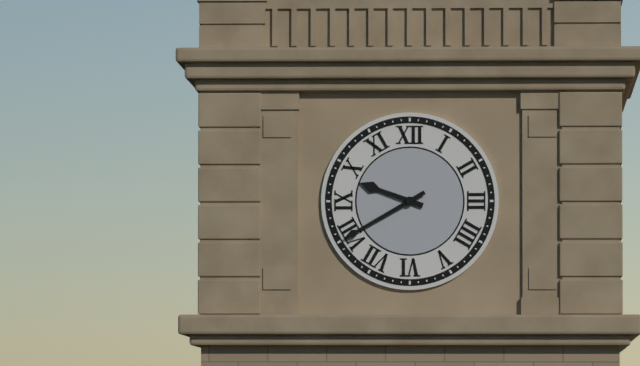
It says 9:40
